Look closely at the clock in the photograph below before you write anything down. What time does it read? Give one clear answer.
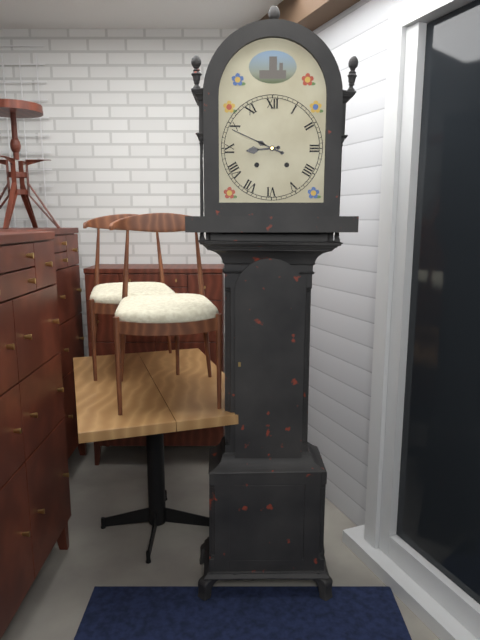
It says 8:49
